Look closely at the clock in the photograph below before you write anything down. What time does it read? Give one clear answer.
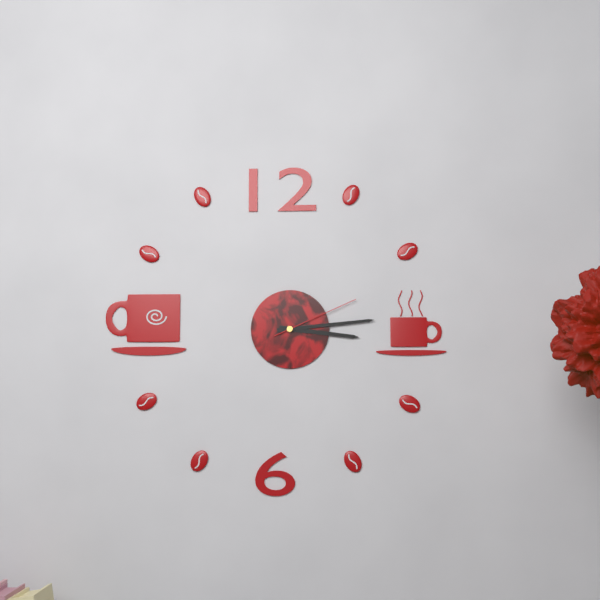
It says 3:14:11
